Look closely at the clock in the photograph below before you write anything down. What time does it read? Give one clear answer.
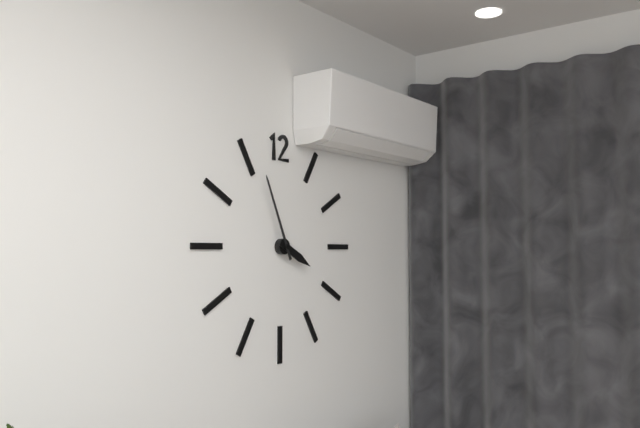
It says 3:56
